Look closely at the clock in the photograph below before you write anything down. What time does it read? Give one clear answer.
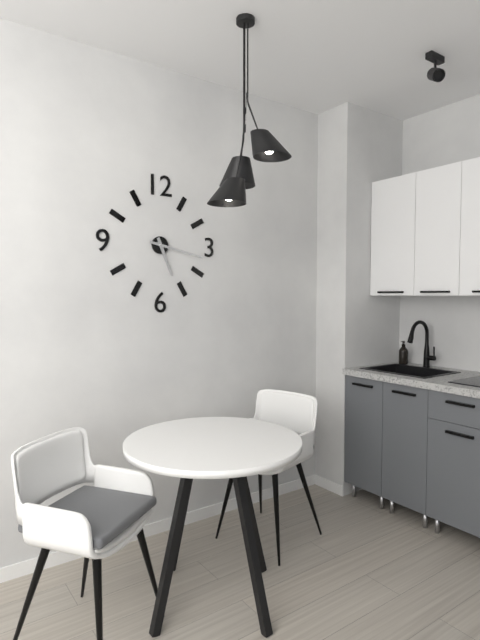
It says 5:17
